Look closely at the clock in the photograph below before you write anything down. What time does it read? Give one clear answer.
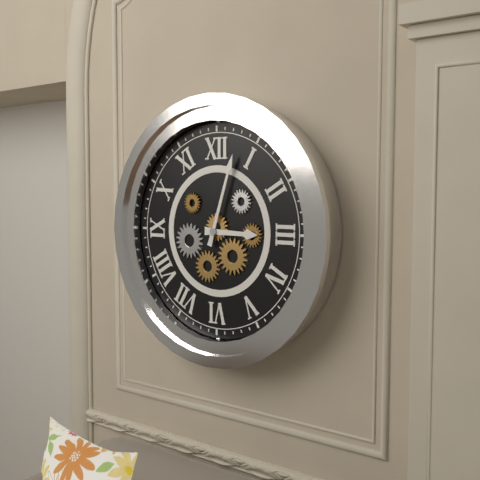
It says 3:03
